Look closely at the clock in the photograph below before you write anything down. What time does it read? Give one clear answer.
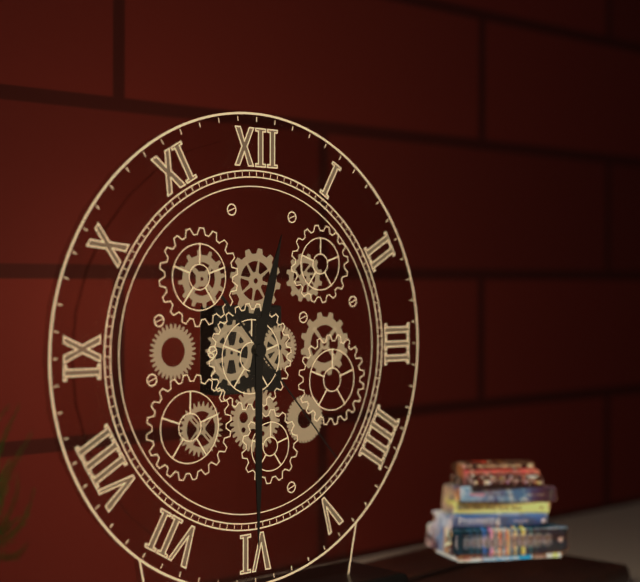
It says 12:30:23
